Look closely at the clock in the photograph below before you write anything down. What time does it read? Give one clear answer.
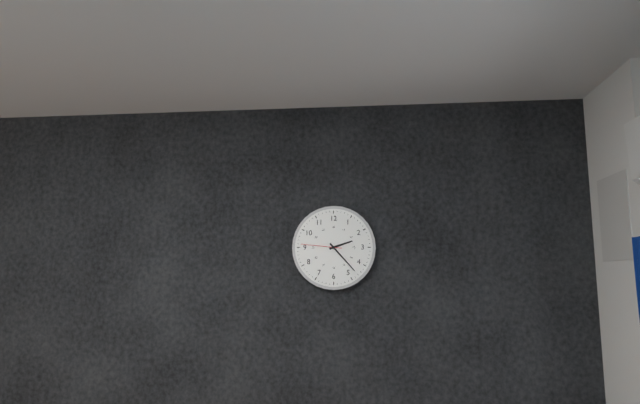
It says 2:23
